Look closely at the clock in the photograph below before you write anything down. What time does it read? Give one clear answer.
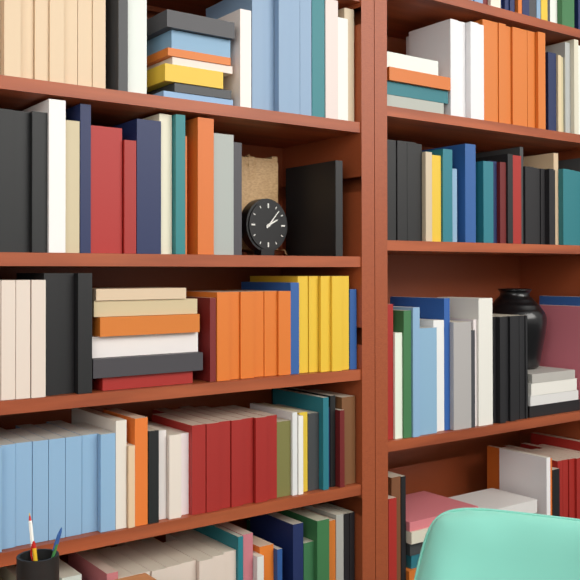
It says 2:07
